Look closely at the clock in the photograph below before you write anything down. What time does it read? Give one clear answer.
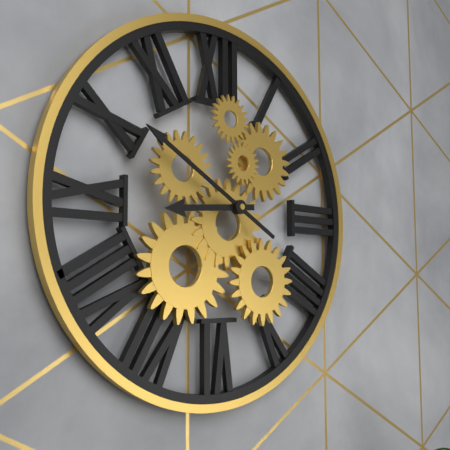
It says 8:50
